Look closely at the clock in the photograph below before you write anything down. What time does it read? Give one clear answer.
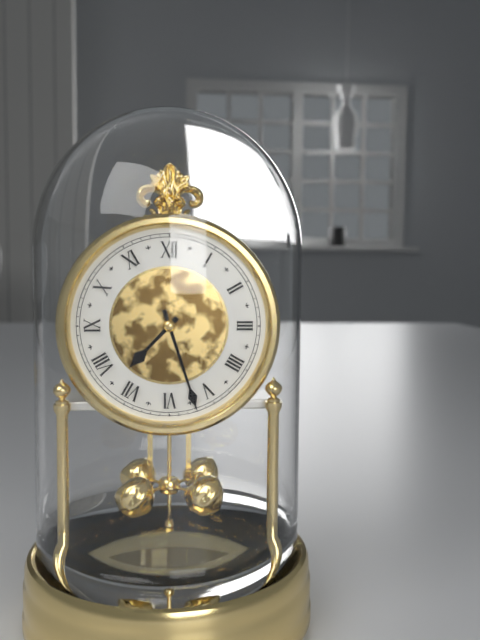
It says 7:27
